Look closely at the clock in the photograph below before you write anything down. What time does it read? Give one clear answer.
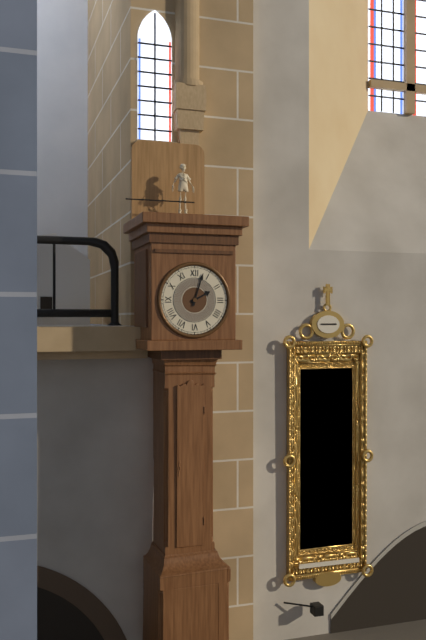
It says 2:03
